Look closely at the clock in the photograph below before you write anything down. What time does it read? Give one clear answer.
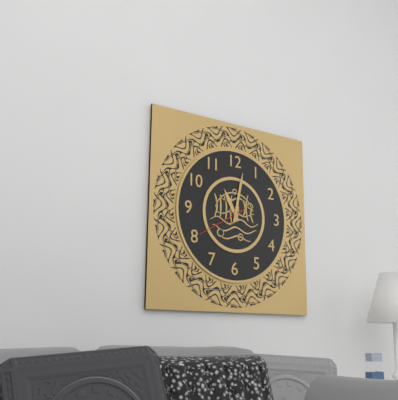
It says 11:02:40
